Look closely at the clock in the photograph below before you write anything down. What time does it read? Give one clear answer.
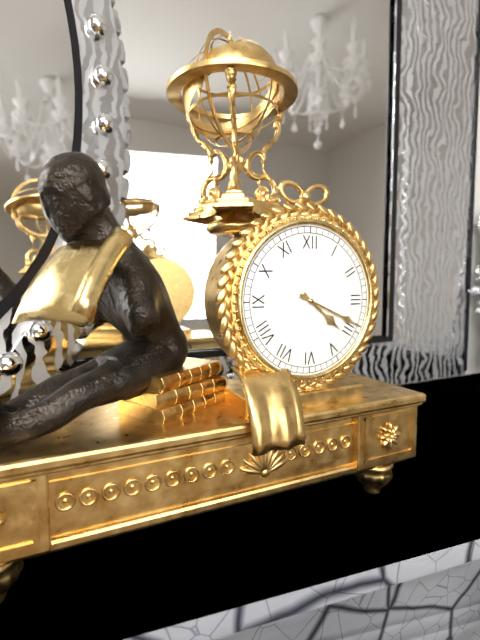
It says 4:19
